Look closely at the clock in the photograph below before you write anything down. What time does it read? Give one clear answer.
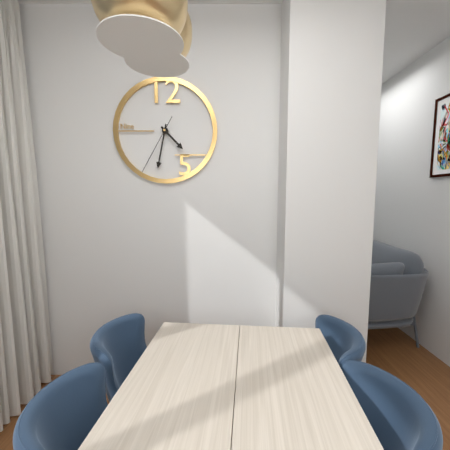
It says 4:32:35
